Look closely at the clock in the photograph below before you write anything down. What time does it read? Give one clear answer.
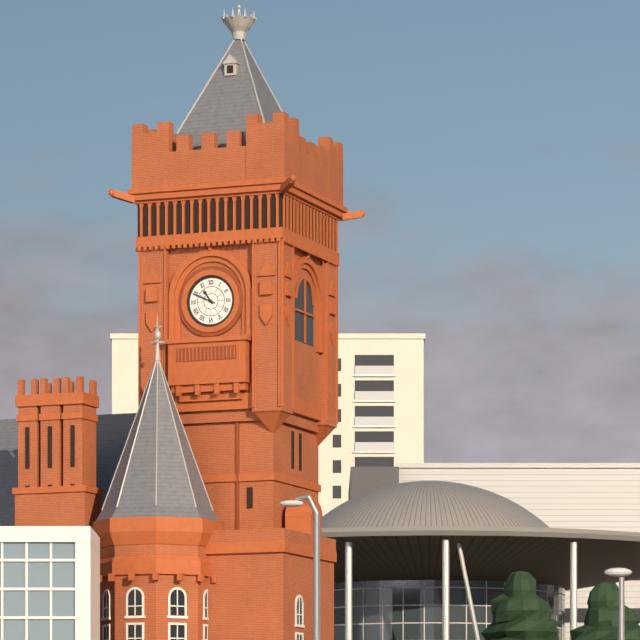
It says 10:49
